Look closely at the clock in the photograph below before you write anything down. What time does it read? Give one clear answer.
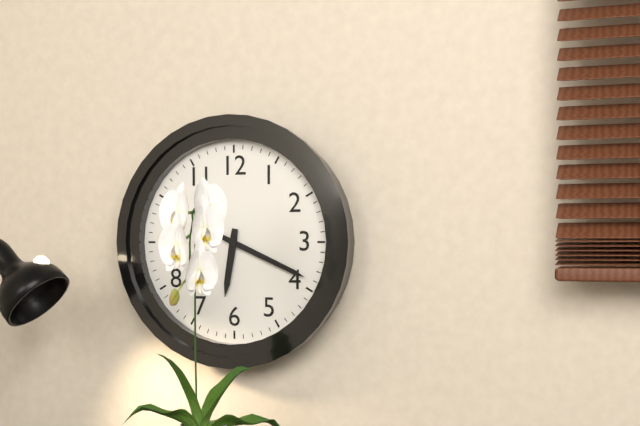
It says 6:19
